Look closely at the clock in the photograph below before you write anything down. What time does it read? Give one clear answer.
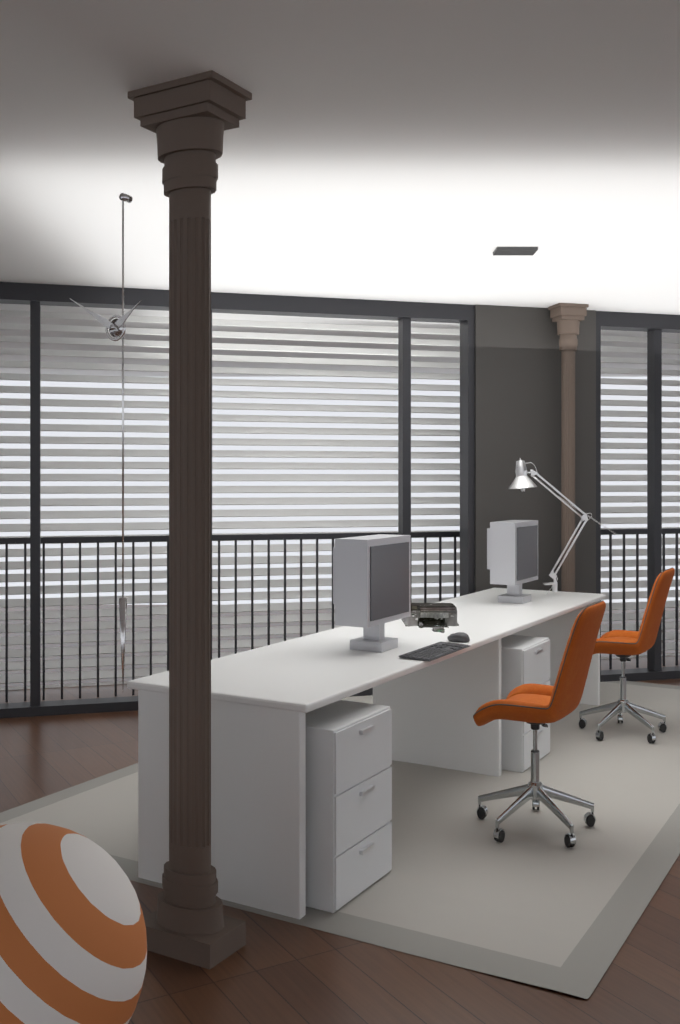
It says 1:50
